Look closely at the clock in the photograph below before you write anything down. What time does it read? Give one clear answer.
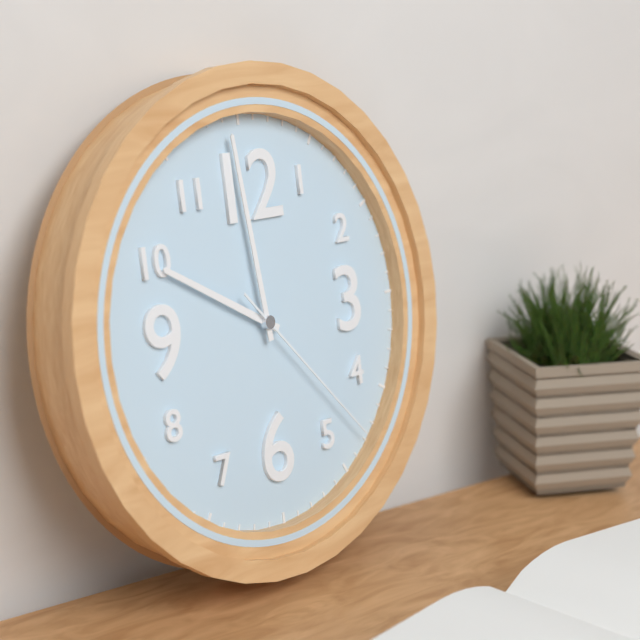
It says 9:59:23
